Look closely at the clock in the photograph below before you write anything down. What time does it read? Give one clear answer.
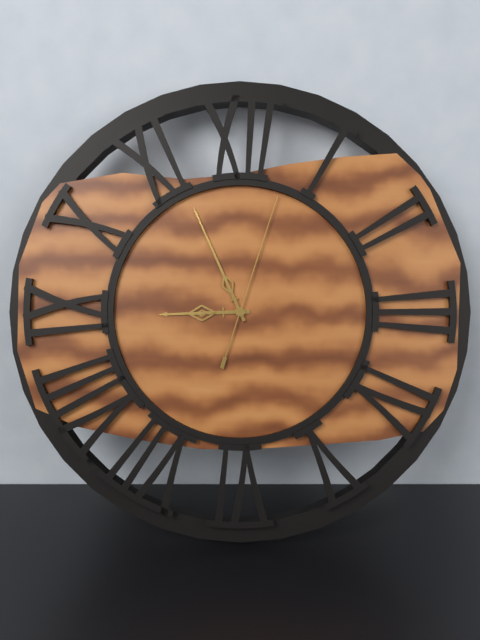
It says 8:56:03
